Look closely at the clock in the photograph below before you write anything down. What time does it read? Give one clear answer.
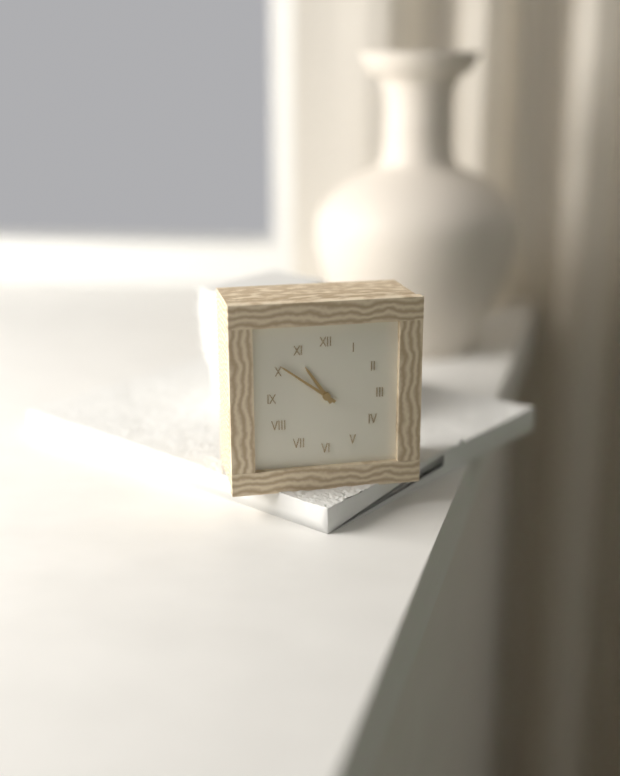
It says 10:51
